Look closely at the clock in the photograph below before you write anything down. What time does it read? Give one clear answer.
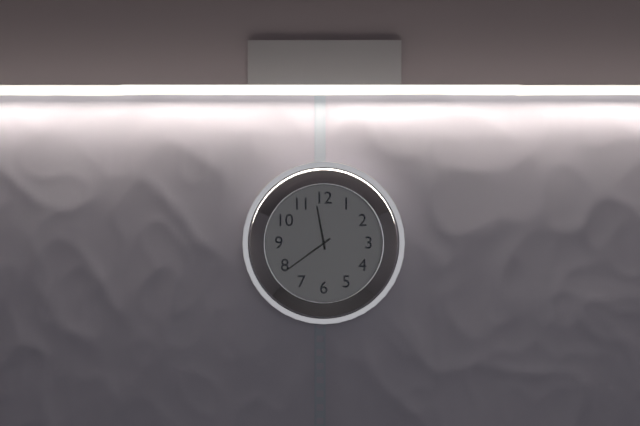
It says 11:39
